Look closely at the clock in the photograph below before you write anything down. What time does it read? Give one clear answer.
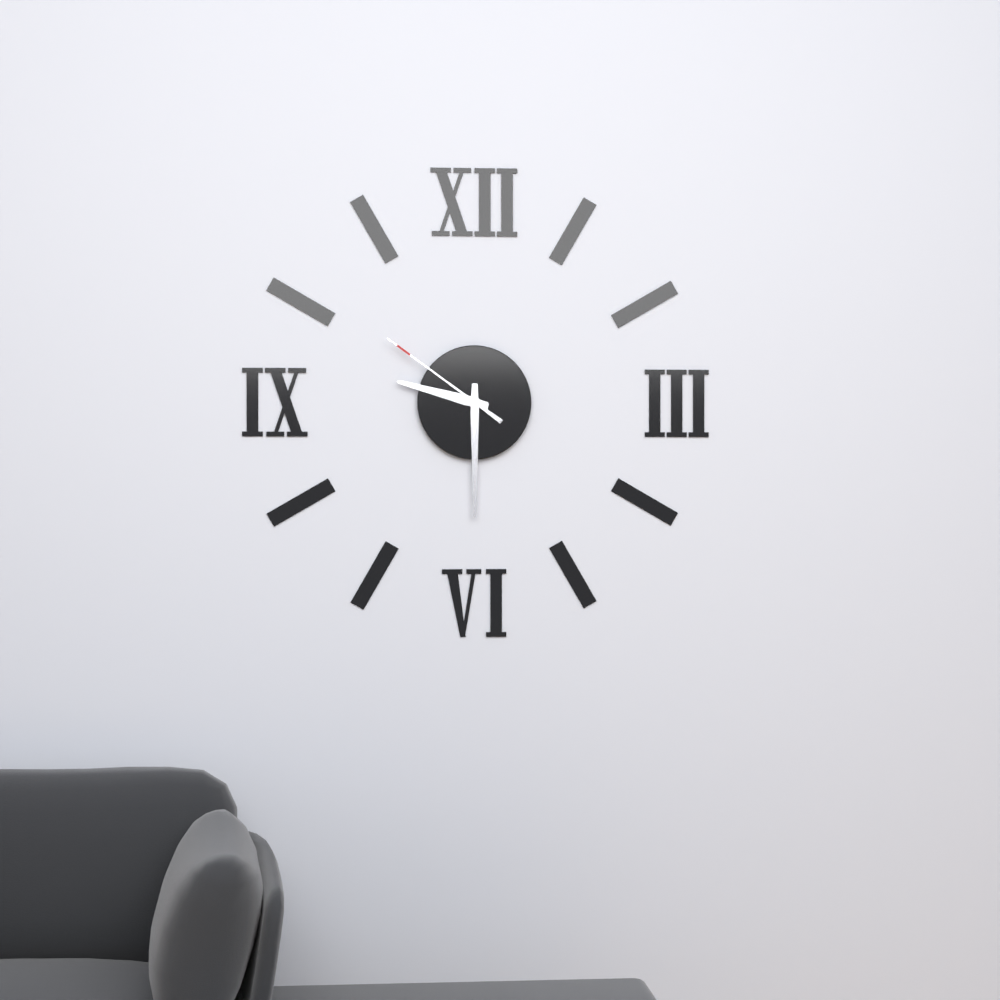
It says 9:30:51
